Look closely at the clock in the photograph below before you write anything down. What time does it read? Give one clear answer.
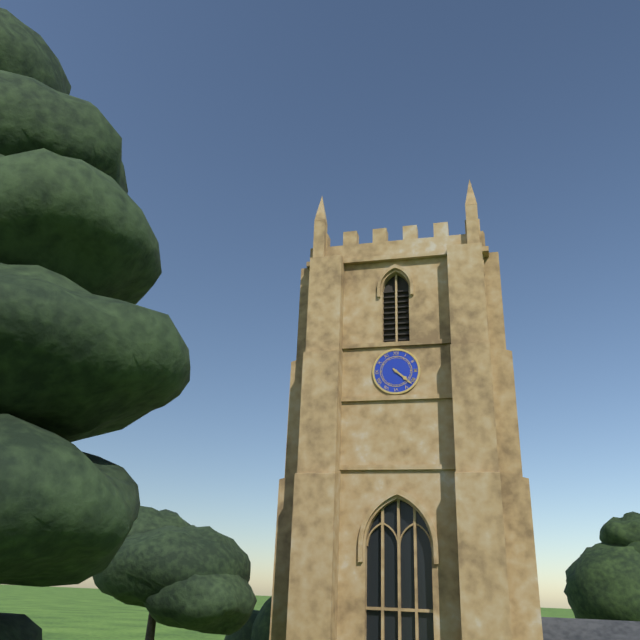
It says 4:22
